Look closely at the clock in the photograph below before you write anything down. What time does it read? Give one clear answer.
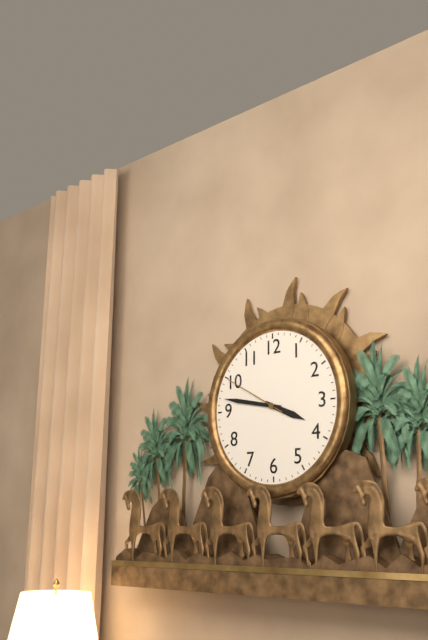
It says 3:47:50
